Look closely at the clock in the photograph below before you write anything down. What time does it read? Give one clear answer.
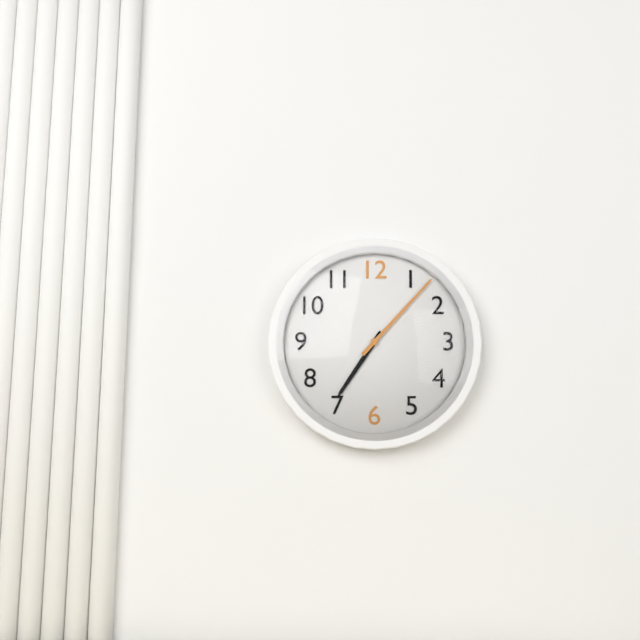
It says 7:07
